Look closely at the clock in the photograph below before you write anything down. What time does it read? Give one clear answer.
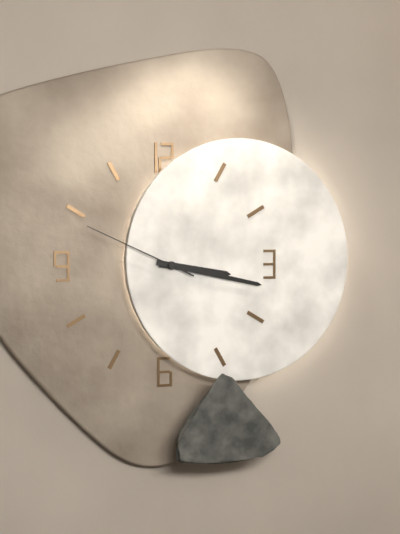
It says 3:17:49
